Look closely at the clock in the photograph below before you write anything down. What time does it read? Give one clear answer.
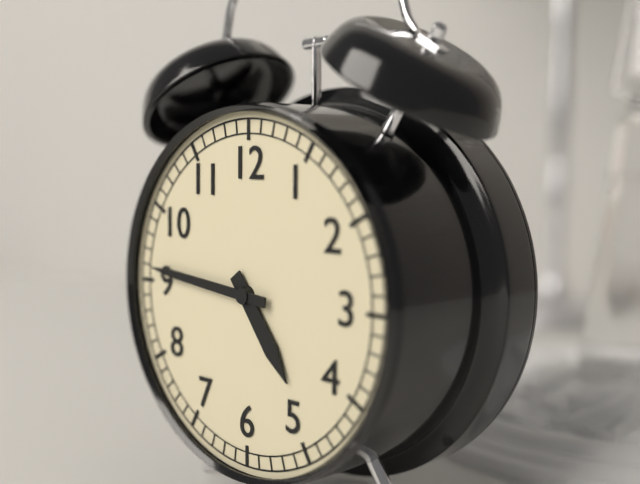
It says 4:46
